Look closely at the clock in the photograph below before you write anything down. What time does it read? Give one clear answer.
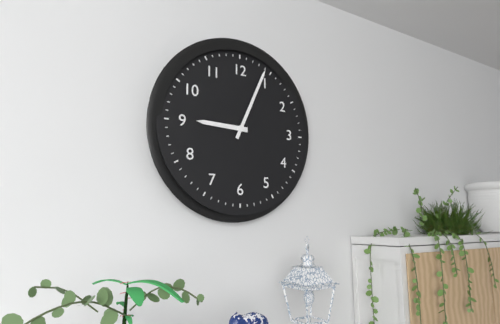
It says 9:04
